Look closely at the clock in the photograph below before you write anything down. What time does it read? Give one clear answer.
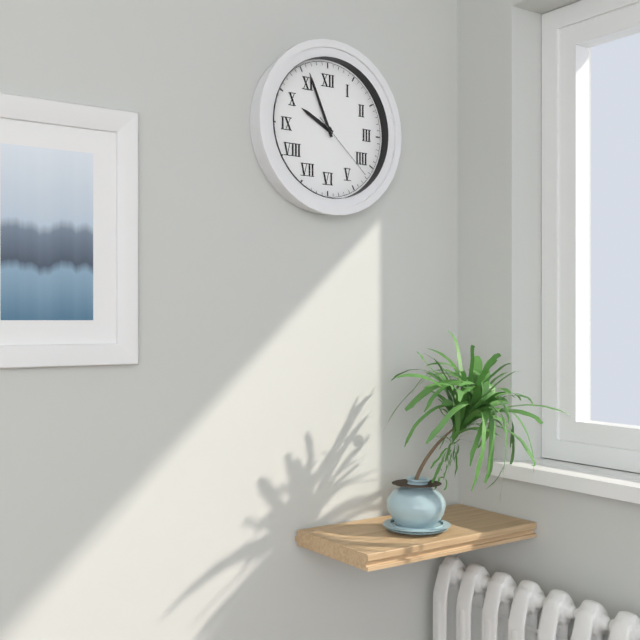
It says 9:56:22
